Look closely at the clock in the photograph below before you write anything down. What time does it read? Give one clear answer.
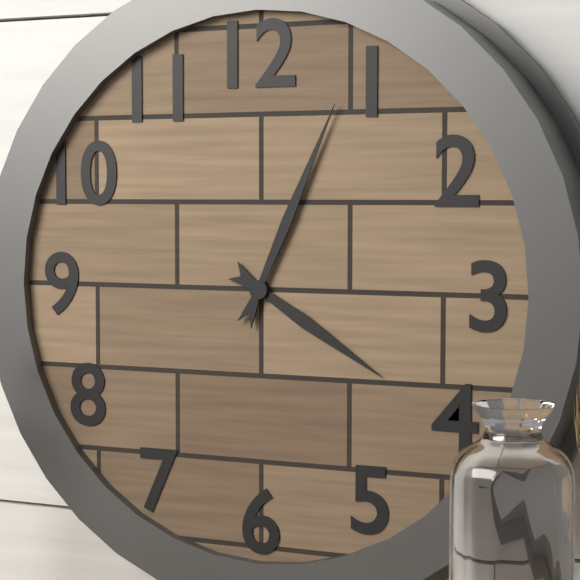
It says 4:04
